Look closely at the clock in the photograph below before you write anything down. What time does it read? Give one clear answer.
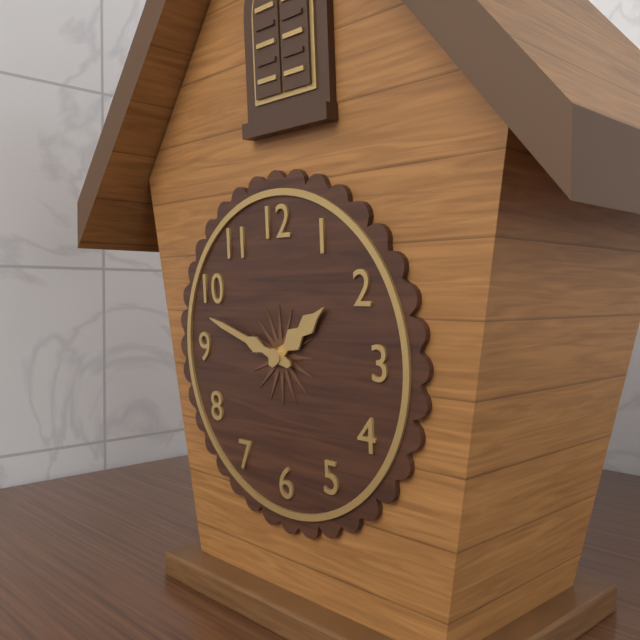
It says 1:48
